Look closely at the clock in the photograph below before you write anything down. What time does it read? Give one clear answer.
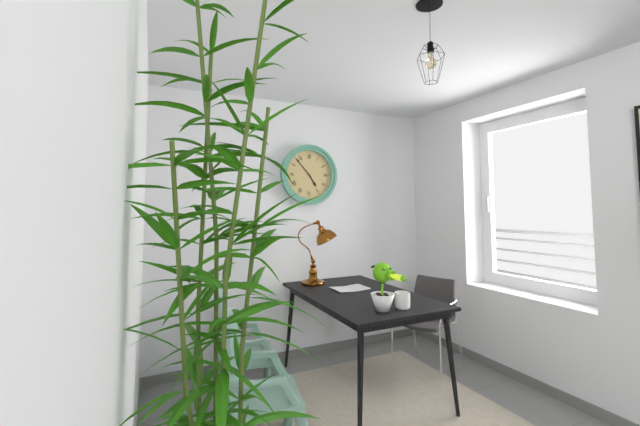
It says 4:53
